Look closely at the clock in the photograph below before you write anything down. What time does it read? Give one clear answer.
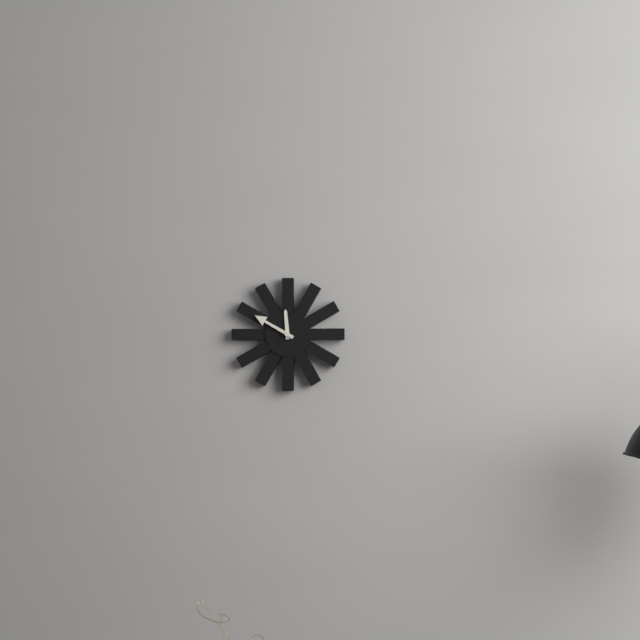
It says 11:50
